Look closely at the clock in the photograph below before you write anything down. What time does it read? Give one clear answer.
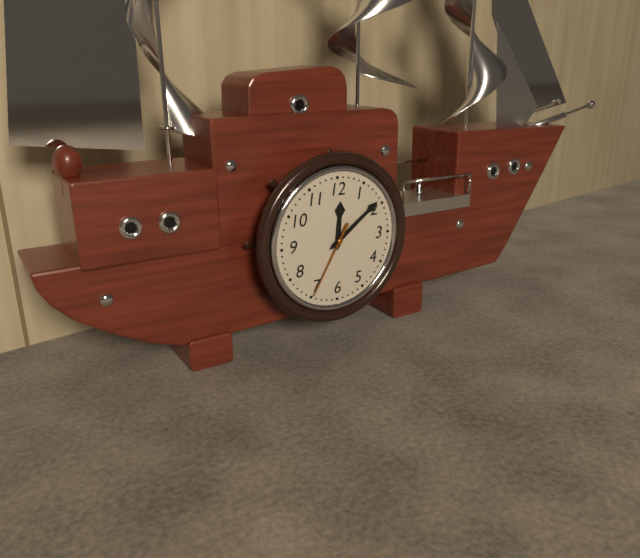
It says 12:09:35
